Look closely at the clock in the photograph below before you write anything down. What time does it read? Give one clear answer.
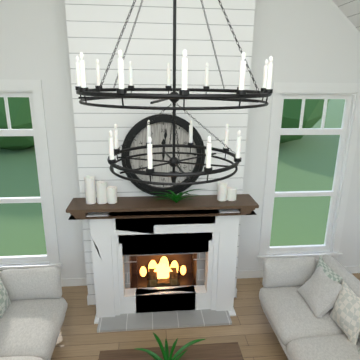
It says 12:01
